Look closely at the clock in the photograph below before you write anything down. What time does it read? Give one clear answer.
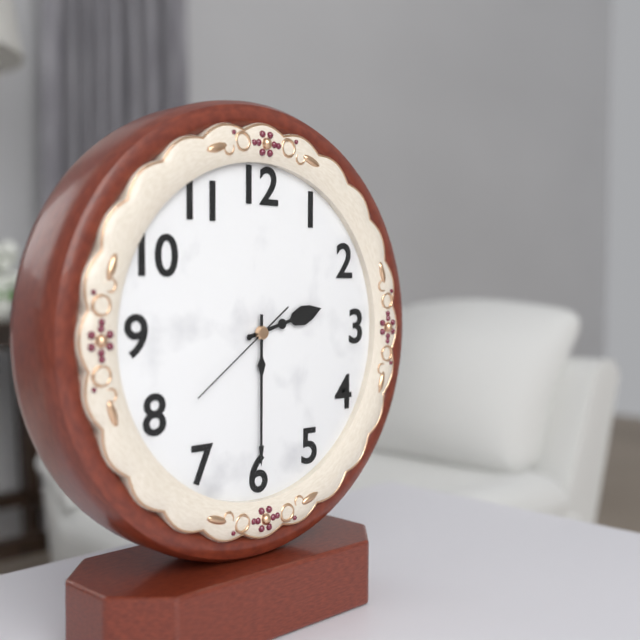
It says 2:30:39
